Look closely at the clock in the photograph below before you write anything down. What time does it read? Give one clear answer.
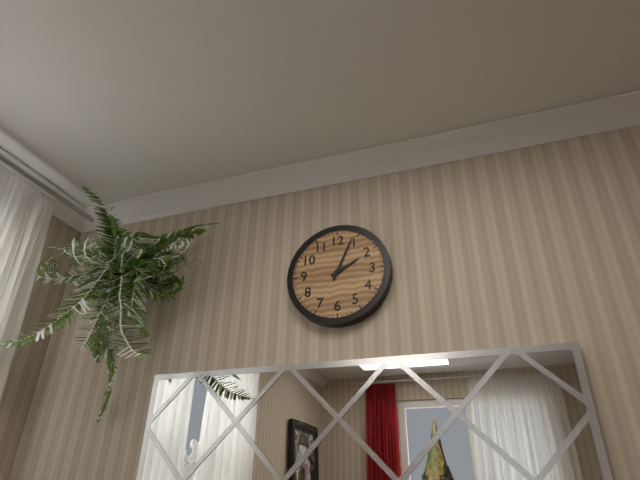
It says 2:04
